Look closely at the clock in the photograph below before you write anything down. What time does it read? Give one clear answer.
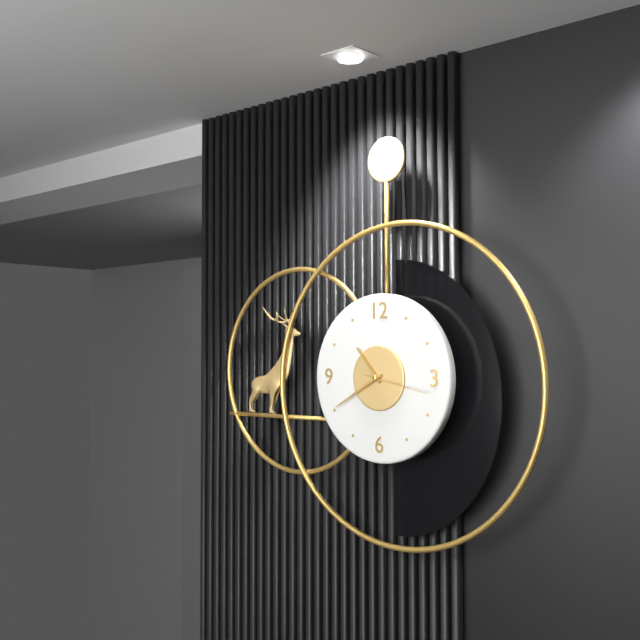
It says 10:40:17
